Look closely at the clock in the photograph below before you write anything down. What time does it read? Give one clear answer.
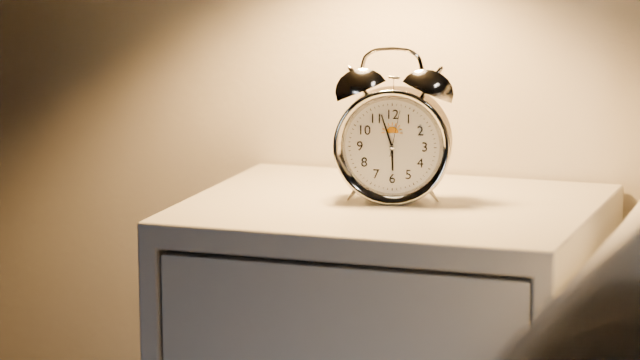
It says 5:57
